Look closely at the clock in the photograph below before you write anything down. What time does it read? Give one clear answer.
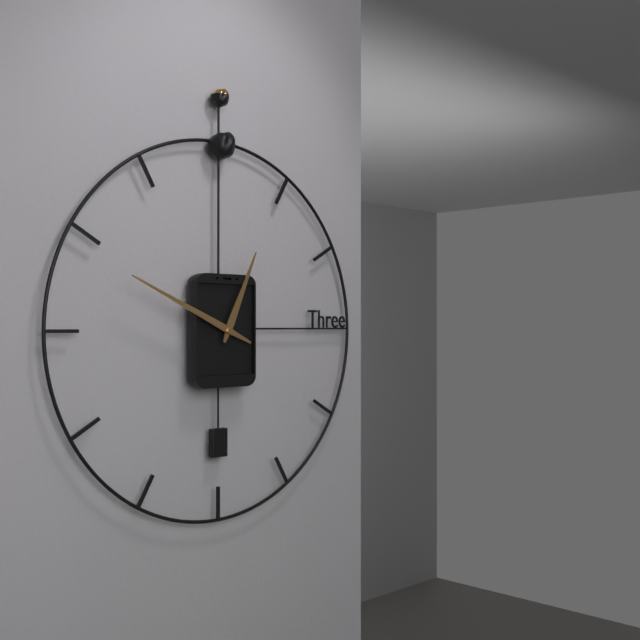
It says 12:49
